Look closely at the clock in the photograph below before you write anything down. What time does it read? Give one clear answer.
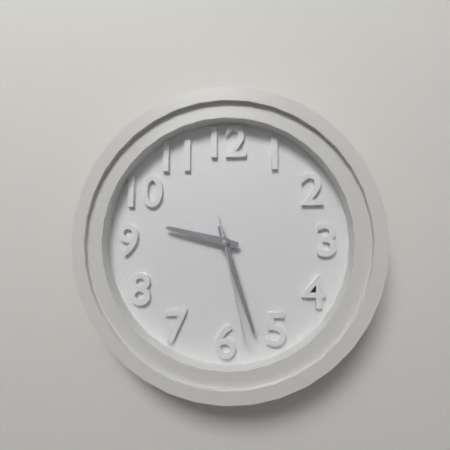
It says 9:27:28
